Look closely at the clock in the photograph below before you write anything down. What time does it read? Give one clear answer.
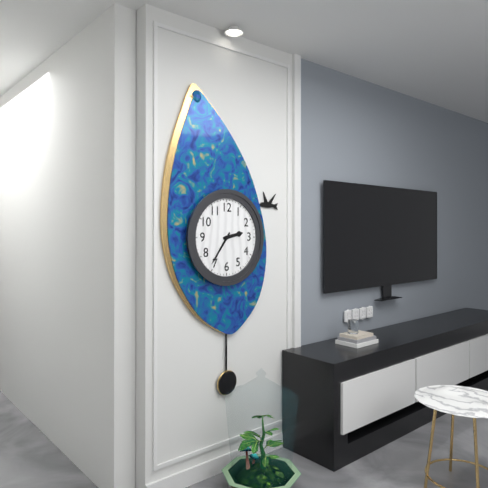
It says 2:36
